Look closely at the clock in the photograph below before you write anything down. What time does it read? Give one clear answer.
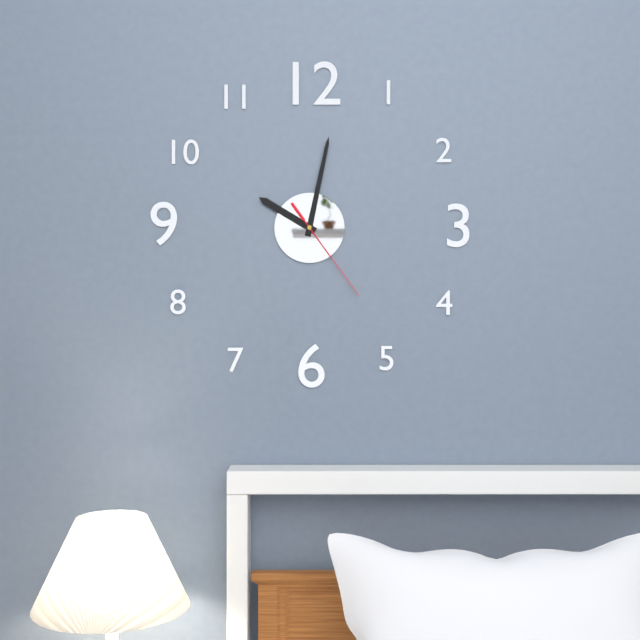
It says 10:02:24
